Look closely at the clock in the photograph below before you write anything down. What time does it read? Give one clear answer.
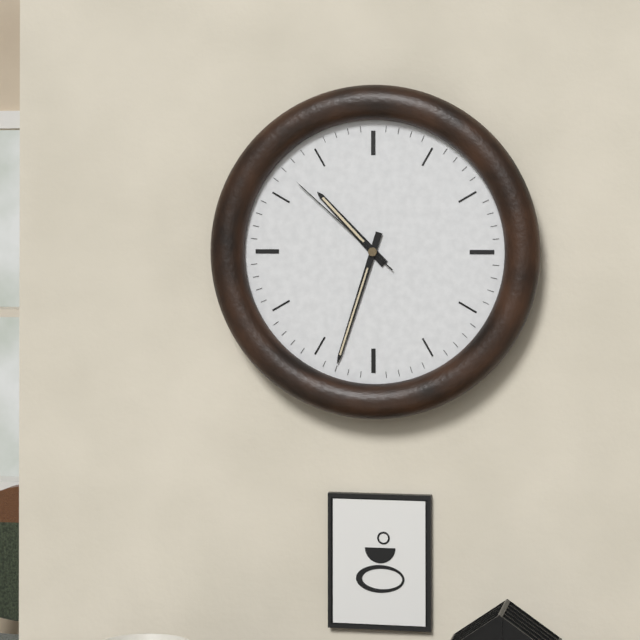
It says 10:33:52
